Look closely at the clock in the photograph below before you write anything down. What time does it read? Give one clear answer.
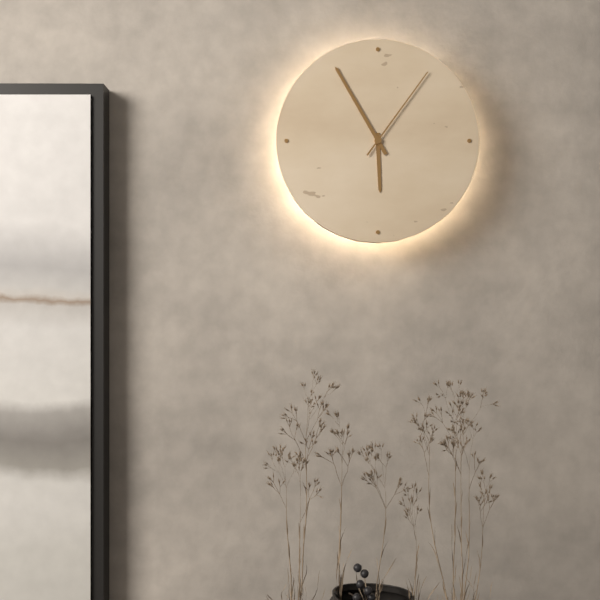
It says 5:55:06
